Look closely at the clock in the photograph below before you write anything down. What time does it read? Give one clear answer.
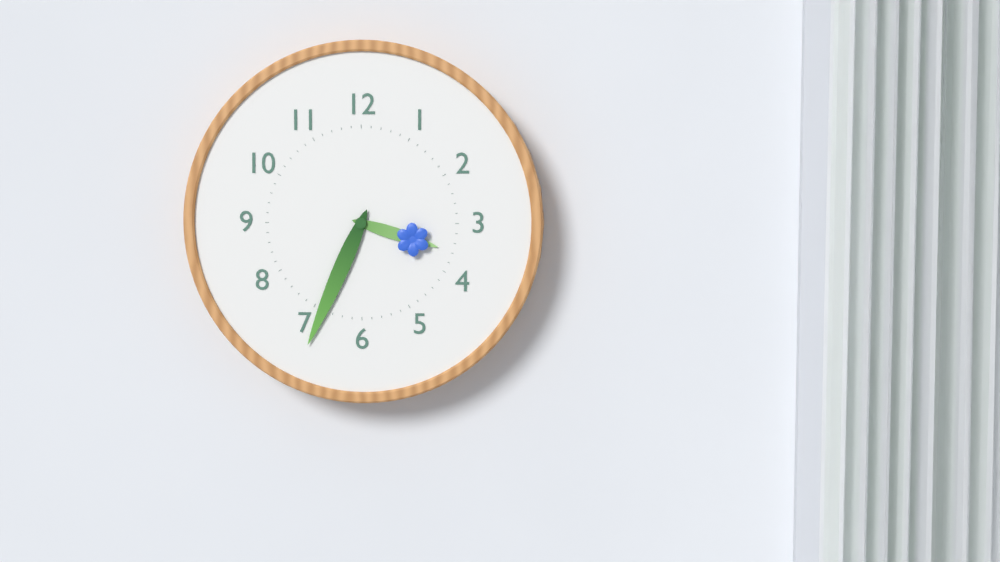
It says 3:34
